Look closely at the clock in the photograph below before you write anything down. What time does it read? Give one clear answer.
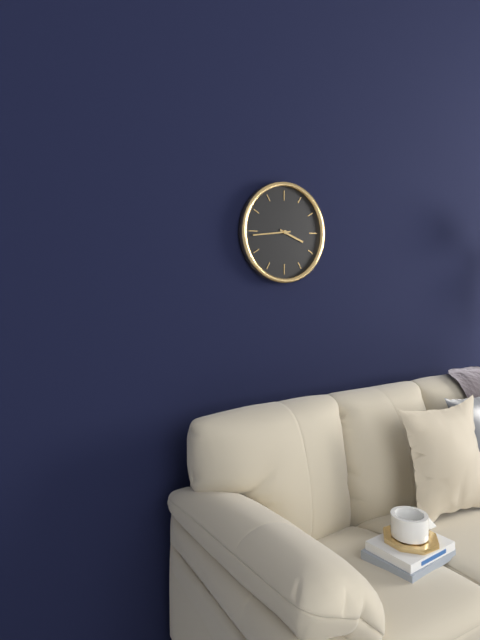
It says 3:44
